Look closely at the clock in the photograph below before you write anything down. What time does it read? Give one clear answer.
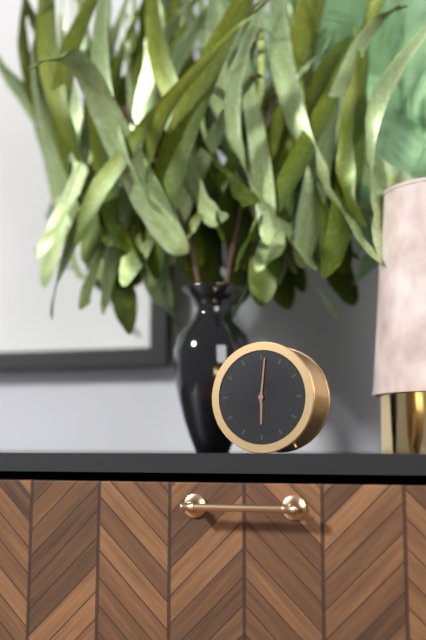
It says 6:01
